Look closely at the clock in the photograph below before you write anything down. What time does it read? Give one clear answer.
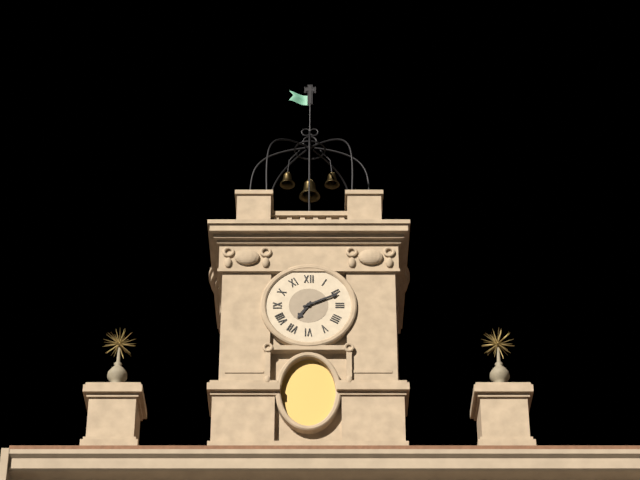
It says 7:11
